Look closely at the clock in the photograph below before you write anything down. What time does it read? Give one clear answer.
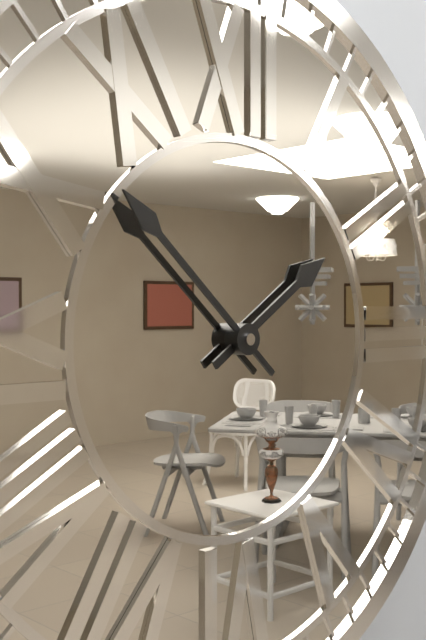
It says 1:52
